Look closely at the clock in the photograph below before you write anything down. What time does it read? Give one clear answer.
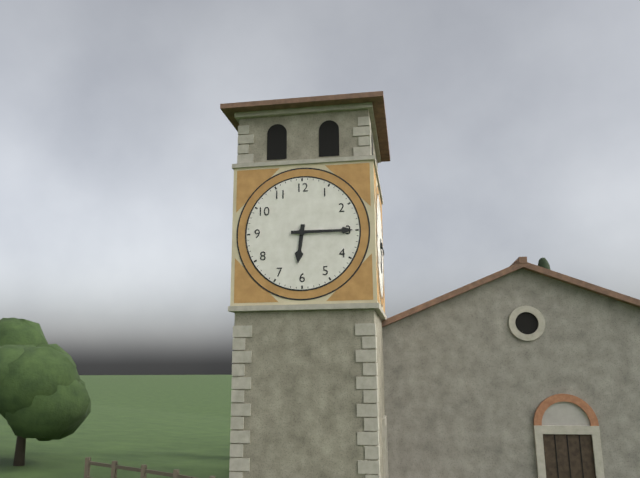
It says 6:15
